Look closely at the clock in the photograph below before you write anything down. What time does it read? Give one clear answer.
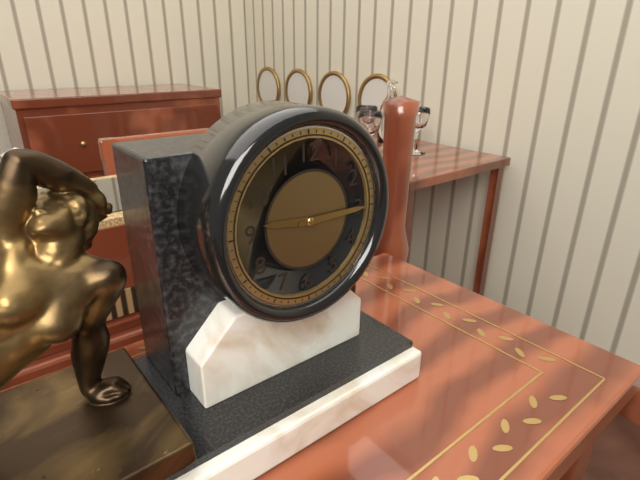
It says 9:15
